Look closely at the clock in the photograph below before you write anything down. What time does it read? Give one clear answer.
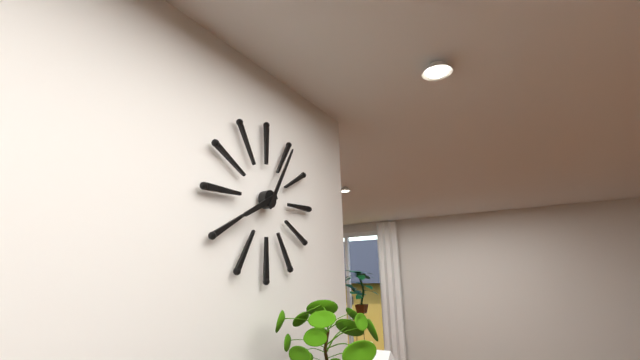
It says 8:05
